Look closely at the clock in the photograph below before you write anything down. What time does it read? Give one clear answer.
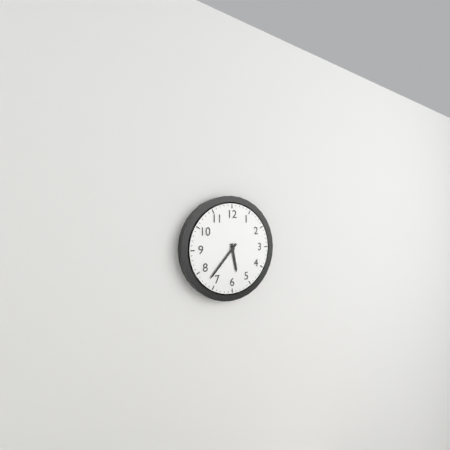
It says 5:37
